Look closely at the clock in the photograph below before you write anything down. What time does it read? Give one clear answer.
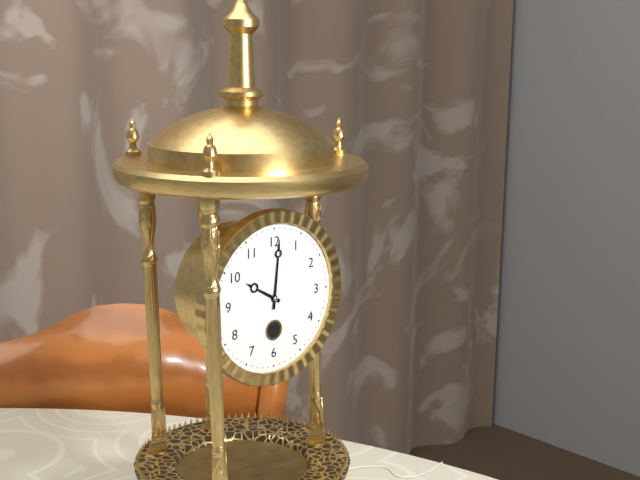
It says 10:01
